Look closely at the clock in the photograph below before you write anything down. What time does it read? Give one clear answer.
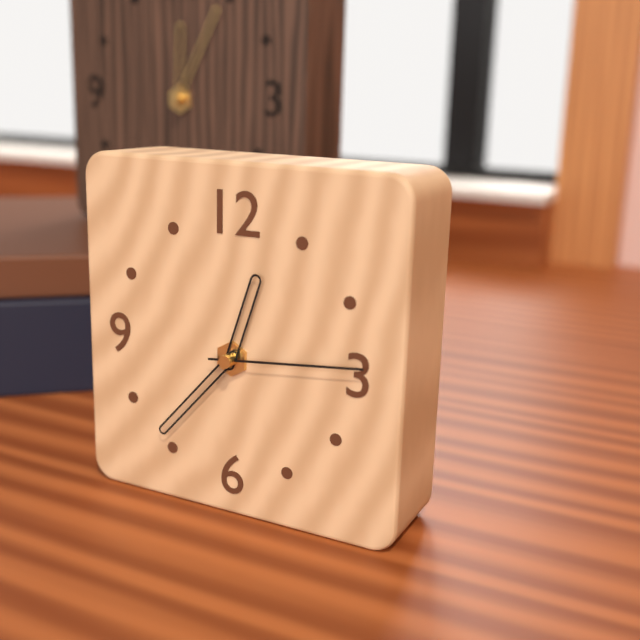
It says 12:37:14
